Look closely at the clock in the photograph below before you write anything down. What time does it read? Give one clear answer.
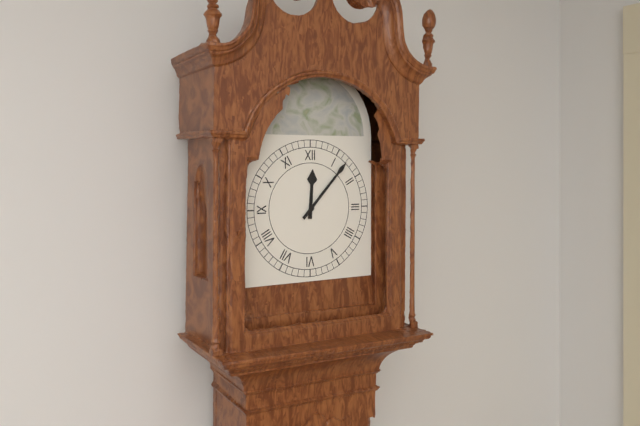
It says 12:07
